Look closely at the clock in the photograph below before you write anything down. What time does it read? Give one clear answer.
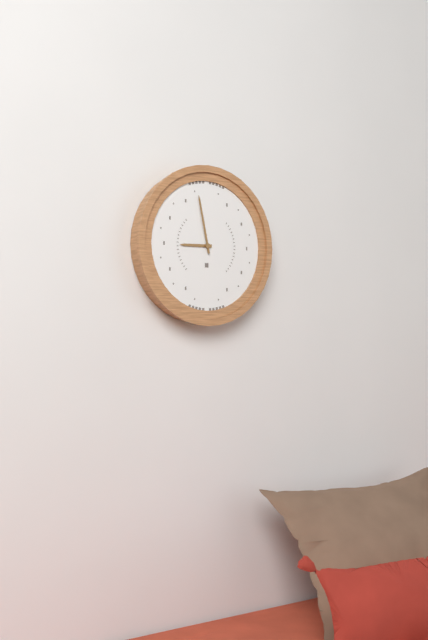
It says 8:58
